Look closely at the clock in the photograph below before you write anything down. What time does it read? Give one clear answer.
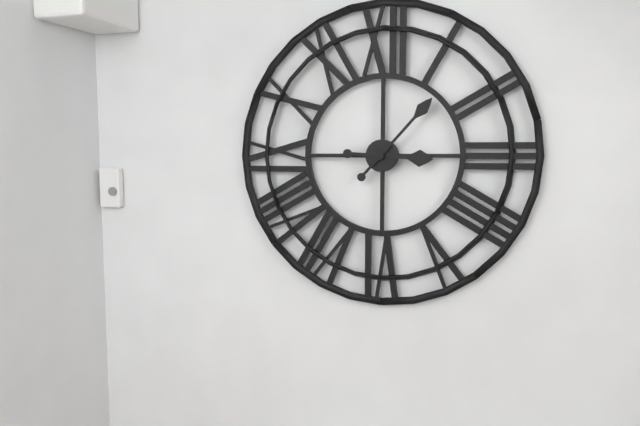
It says 3:07
